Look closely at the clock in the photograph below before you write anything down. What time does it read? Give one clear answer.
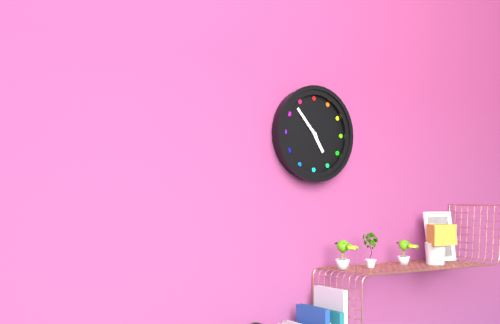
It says 4:53
